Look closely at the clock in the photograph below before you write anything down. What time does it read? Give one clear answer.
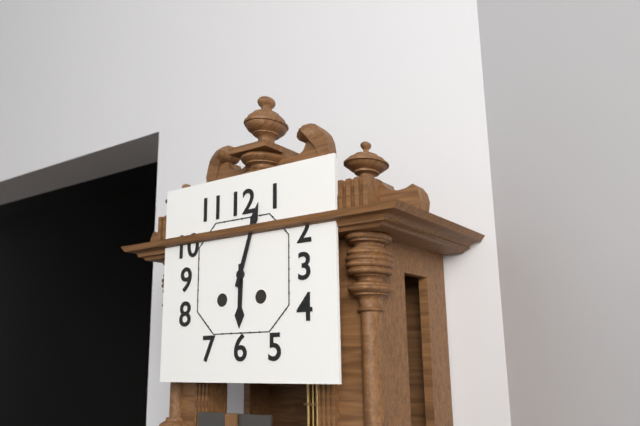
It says 6:03
